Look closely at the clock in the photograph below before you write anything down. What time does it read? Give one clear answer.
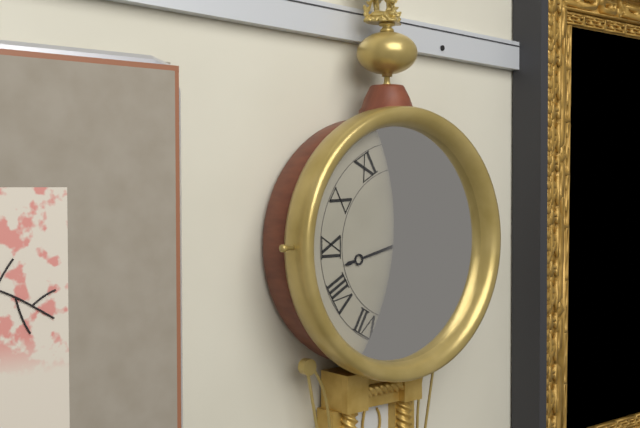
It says 8:33
